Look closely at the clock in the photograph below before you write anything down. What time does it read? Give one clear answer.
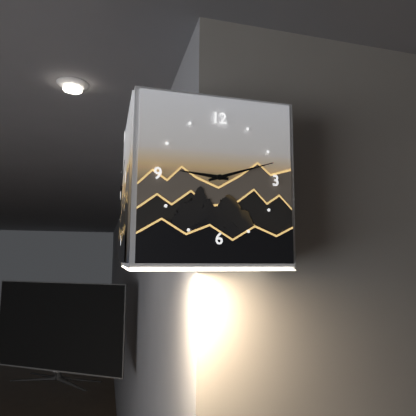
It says 9:12
